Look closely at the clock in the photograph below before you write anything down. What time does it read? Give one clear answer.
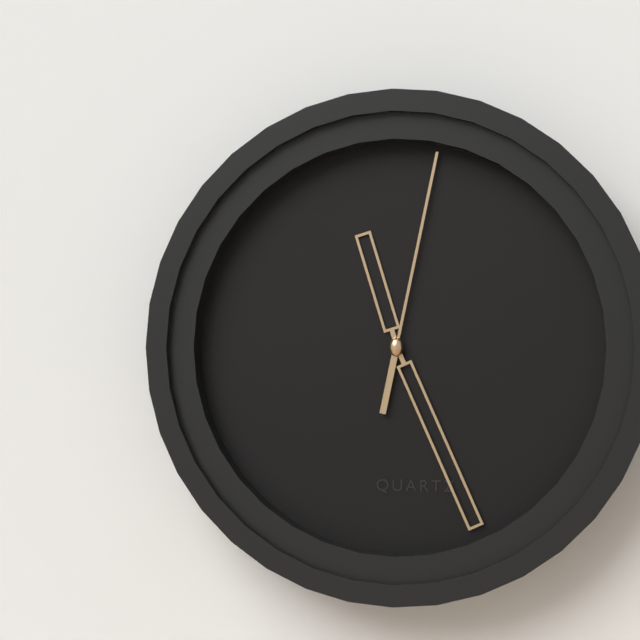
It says 11:26:02
